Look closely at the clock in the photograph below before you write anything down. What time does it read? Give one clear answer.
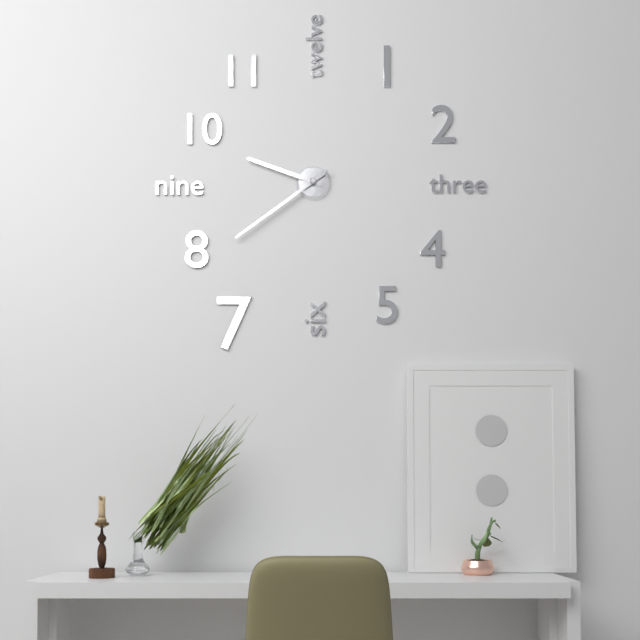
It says 9:39
